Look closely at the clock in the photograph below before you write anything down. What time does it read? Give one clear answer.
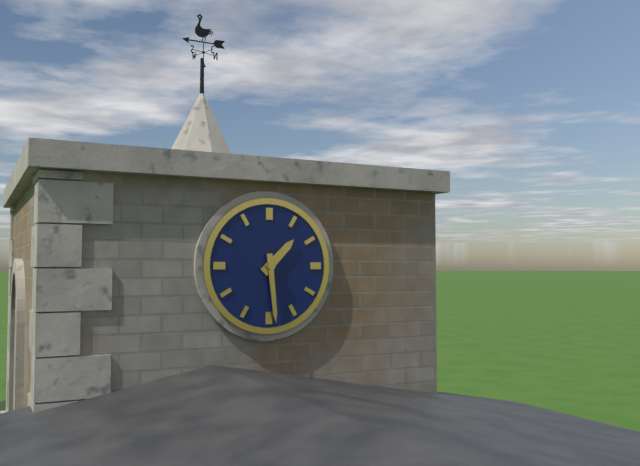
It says 1:29
